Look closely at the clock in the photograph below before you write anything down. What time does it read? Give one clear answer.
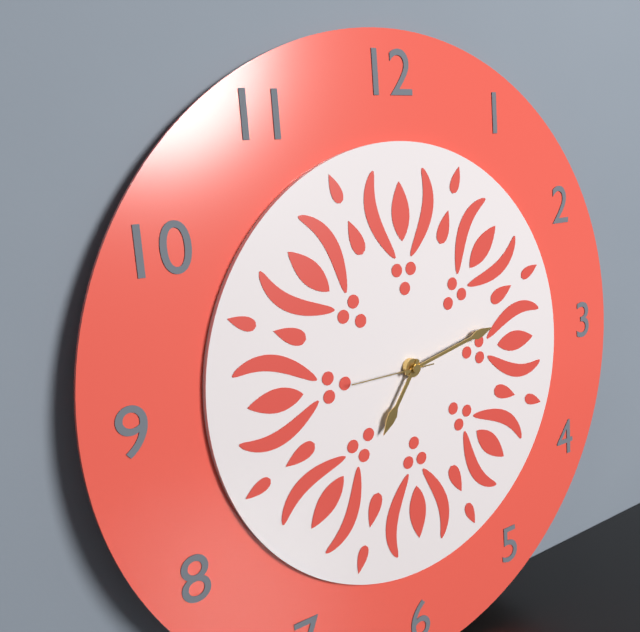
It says 7:13:45
